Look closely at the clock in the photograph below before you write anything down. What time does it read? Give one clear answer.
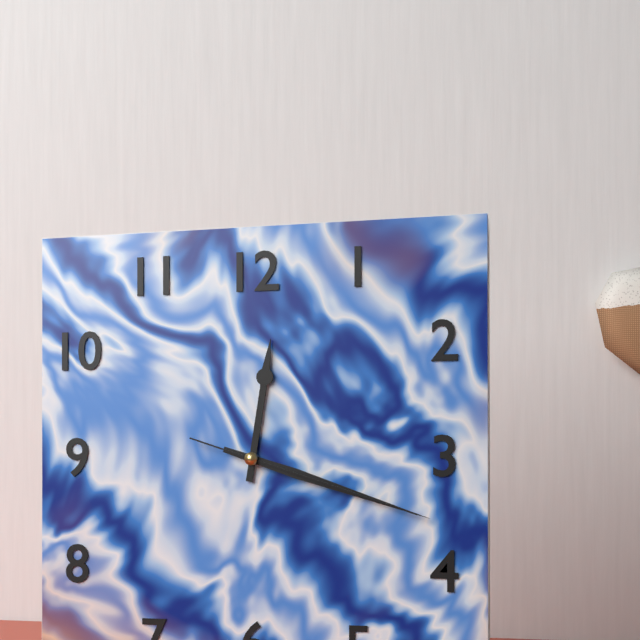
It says 12:18:18
